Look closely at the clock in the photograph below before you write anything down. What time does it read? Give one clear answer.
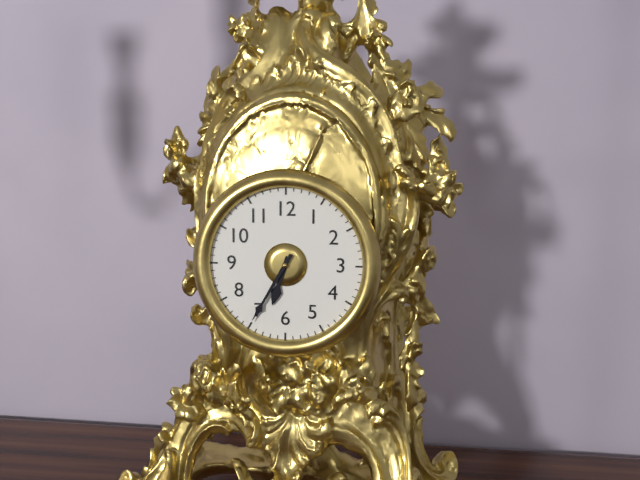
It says 6:35
